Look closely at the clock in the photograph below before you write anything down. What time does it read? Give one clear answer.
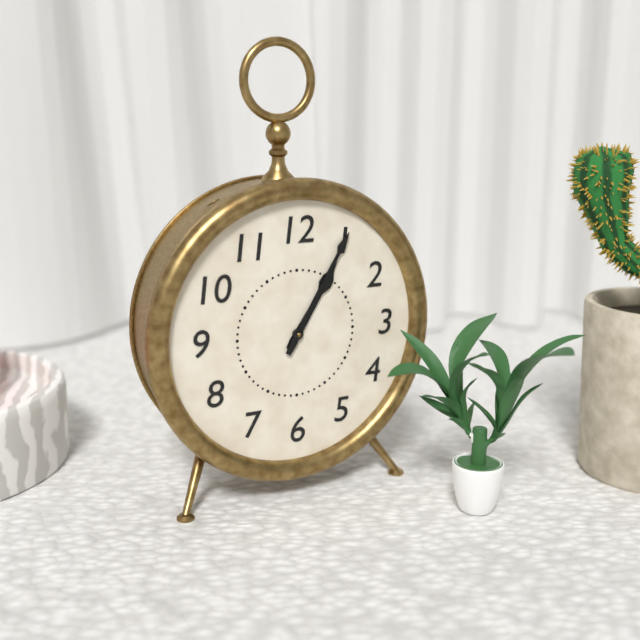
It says 1:05
